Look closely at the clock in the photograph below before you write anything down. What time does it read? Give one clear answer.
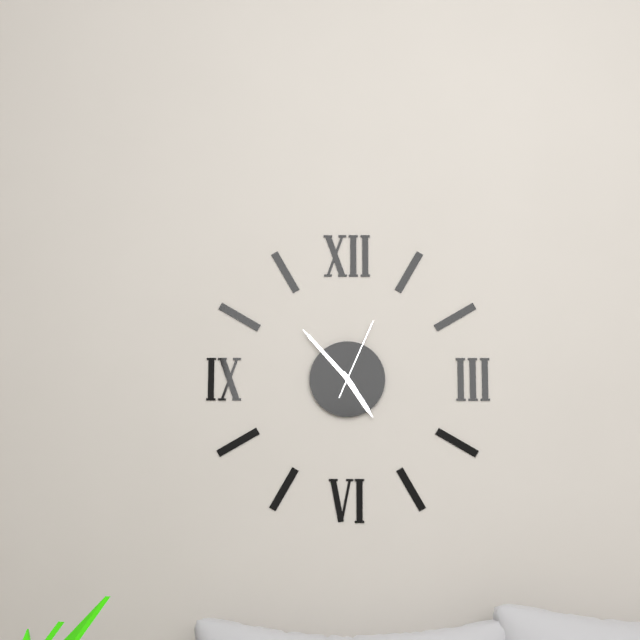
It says 4:53:04
